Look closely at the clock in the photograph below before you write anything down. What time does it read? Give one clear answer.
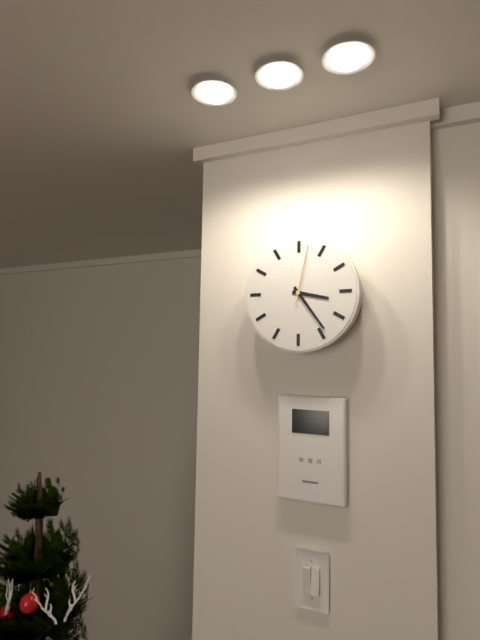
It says 3:24:02
